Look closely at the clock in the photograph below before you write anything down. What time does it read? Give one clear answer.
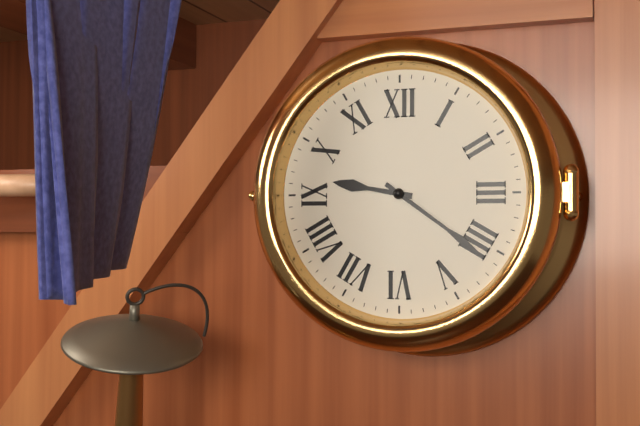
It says 9:21
